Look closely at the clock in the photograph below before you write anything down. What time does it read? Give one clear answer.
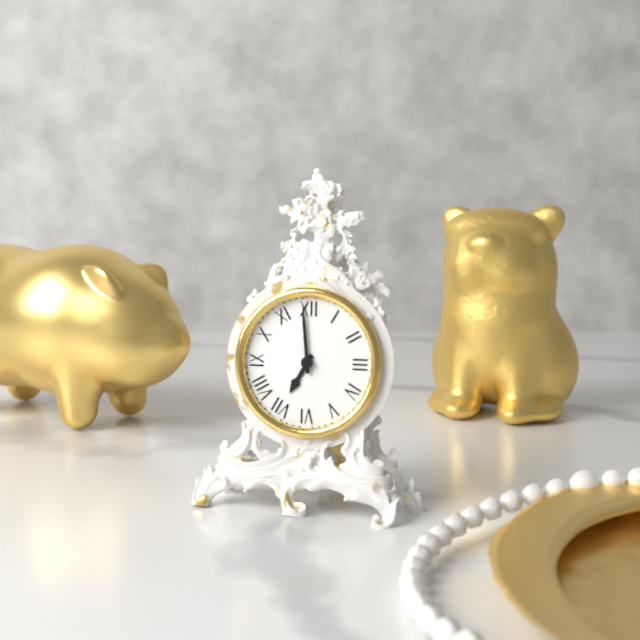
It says 6:59
